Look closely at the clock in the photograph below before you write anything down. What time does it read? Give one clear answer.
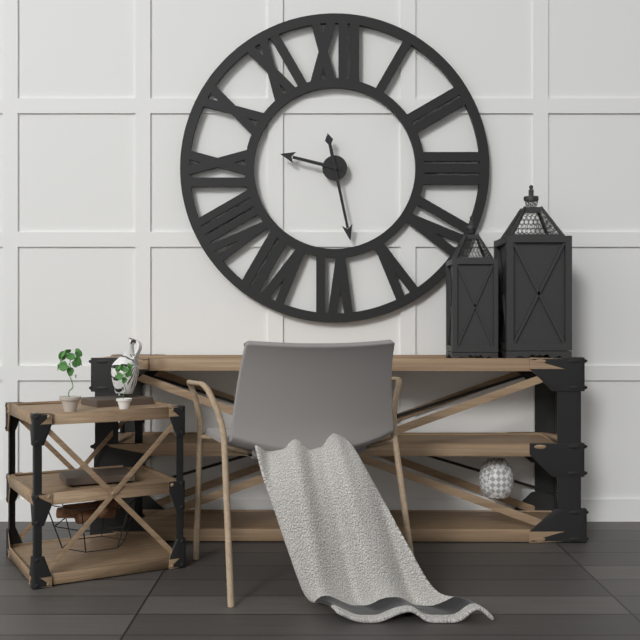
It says 9:28
